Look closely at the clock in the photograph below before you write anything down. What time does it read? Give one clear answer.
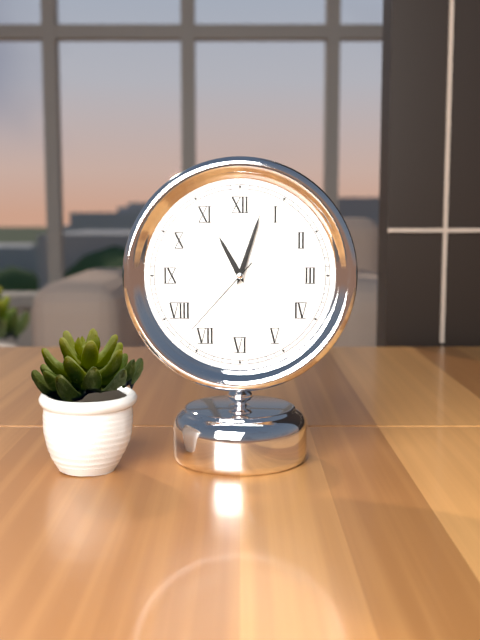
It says 11:03:37
